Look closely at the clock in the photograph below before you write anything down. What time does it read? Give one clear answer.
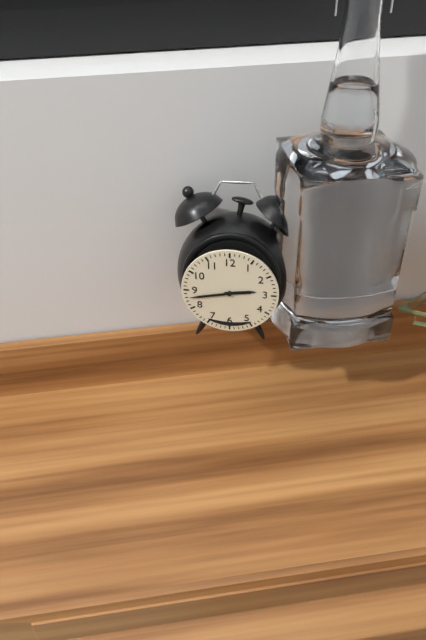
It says 2:43
